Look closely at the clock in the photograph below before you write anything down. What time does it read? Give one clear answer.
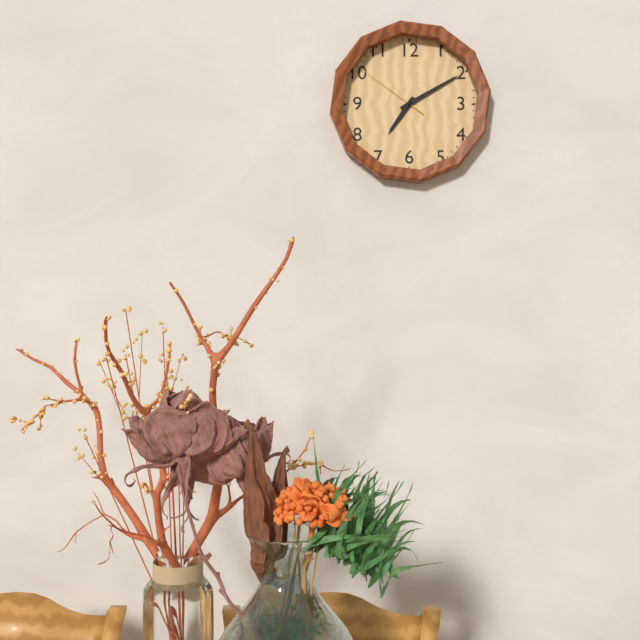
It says 7:10:51
